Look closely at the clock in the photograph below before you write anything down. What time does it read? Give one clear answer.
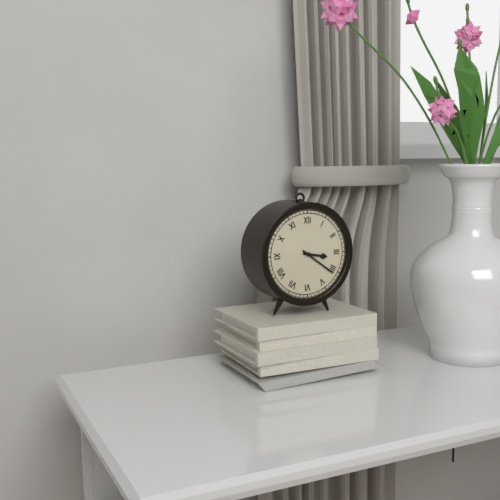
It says 3:21
